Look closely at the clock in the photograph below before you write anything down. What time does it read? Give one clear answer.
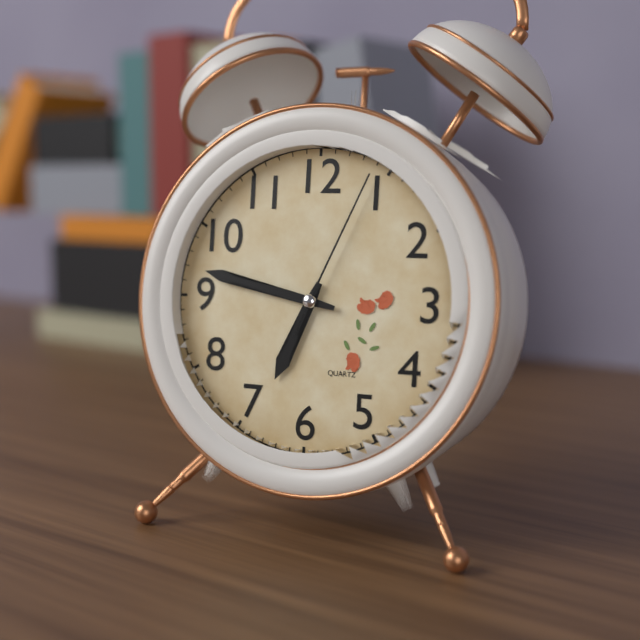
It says 6:47:04
